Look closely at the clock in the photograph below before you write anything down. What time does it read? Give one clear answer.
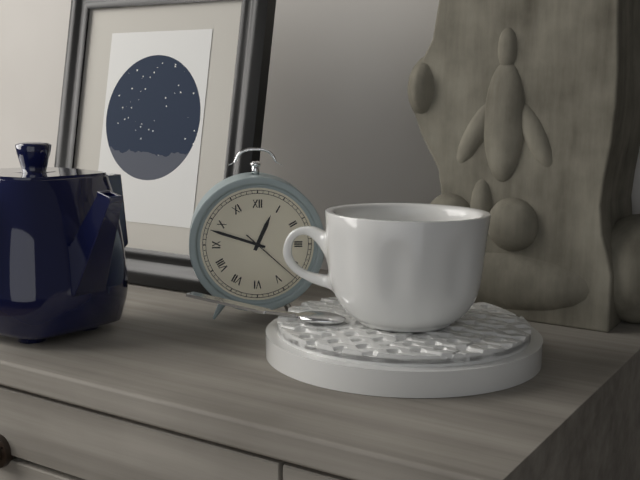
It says 12:48:22
